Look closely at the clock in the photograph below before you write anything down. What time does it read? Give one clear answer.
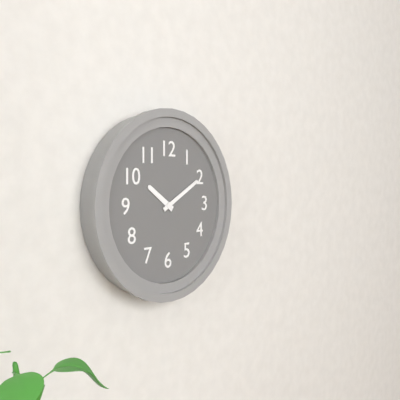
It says 10:10
